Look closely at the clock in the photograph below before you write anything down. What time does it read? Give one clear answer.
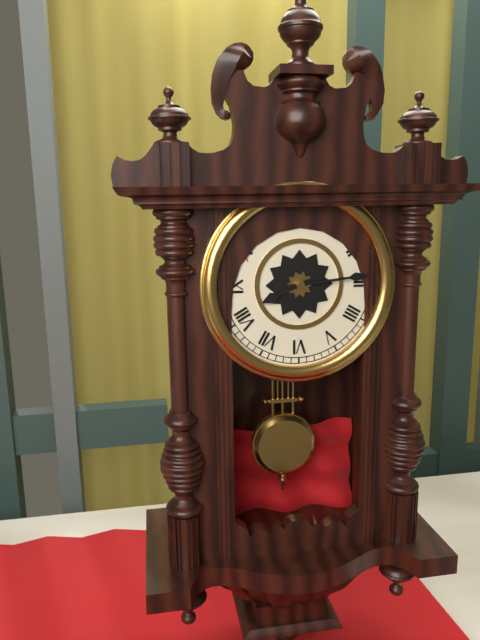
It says 8:14
